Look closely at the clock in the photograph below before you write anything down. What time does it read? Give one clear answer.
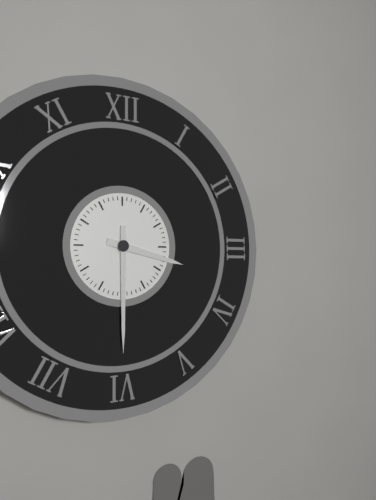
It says 3:30
